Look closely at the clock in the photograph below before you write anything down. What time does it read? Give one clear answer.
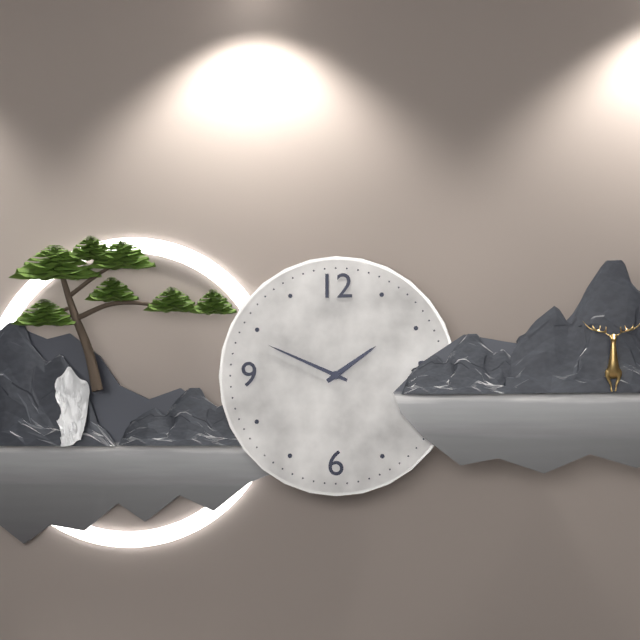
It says 1:49
